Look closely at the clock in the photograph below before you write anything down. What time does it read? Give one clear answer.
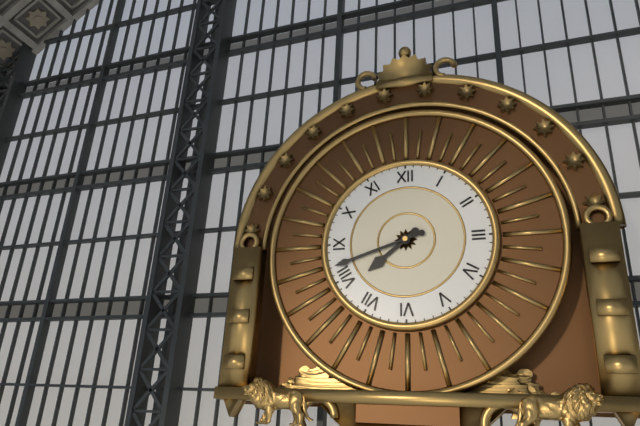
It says 7:42
